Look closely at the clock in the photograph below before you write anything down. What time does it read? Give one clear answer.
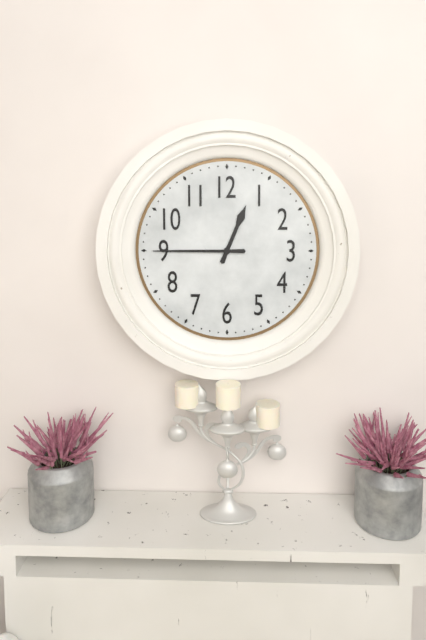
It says 12:45
